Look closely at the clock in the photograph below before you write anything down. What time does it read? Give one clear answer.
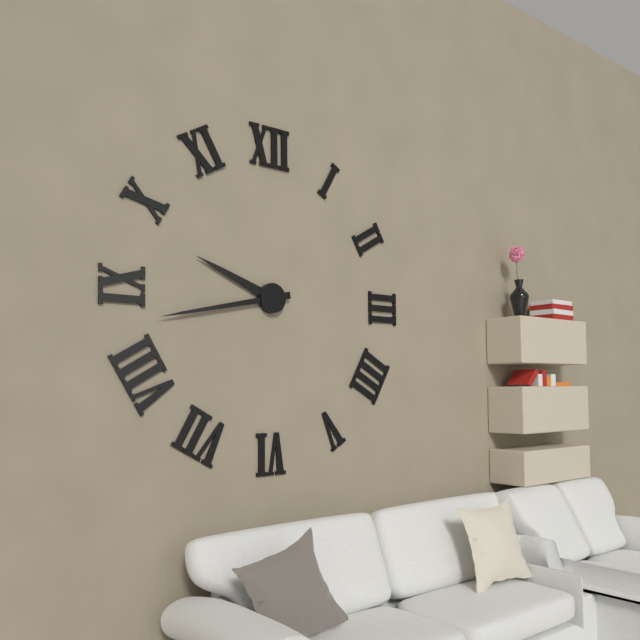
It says 9:43
